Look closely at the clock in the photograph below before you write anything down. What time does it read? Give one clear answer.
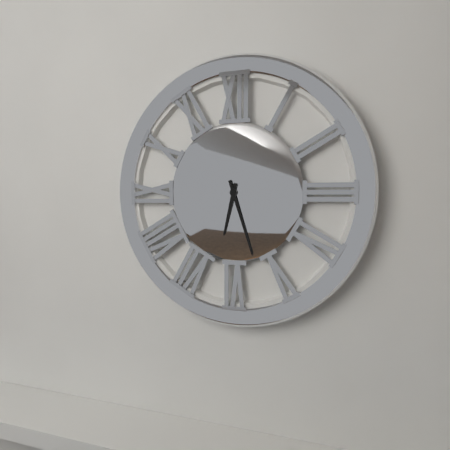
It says 6:27
